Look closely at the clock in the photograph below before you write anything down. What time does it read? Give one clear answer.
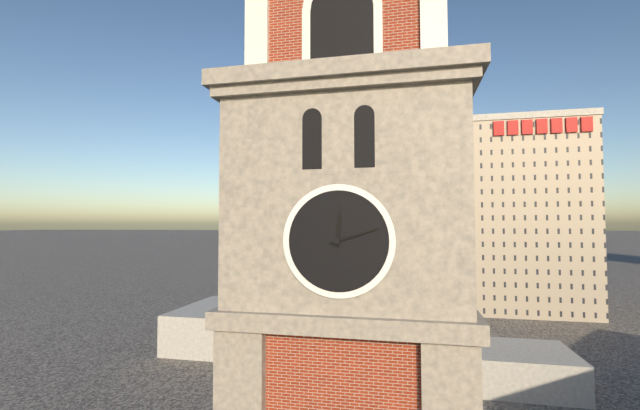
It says 12:12
